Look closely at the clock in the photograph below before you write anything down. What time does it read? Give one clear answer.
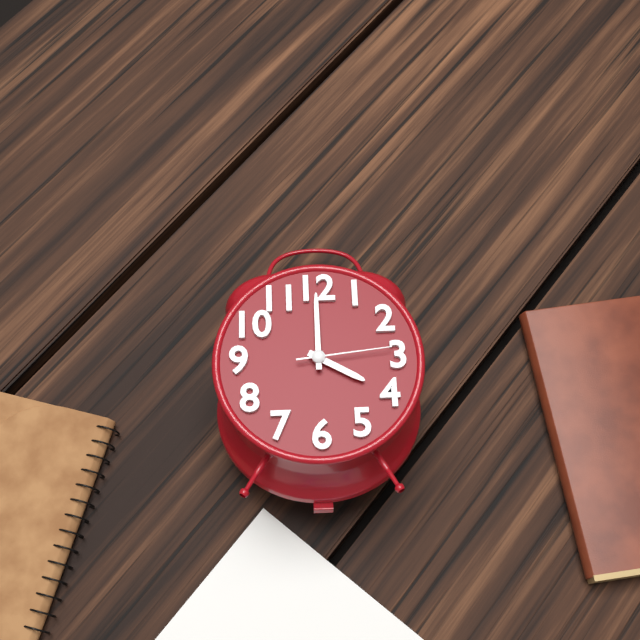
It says 4:00:14
